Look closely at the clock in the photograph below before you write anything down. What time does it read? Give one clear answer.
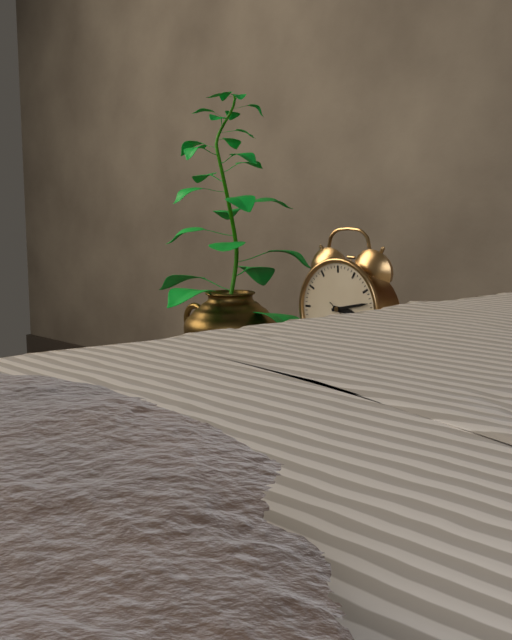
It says 3:13
